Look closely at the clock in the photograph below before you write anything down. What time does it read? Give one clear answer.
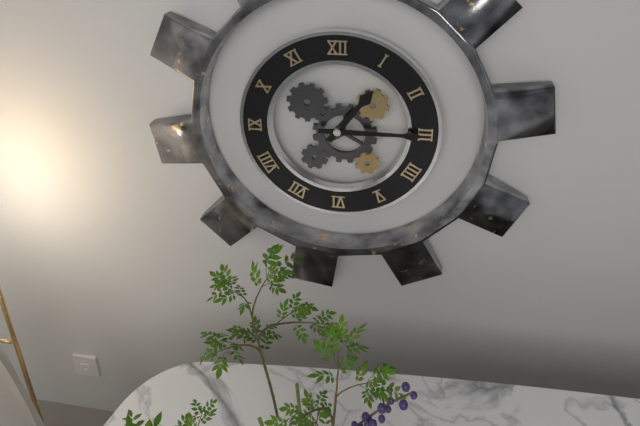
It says 1:15
